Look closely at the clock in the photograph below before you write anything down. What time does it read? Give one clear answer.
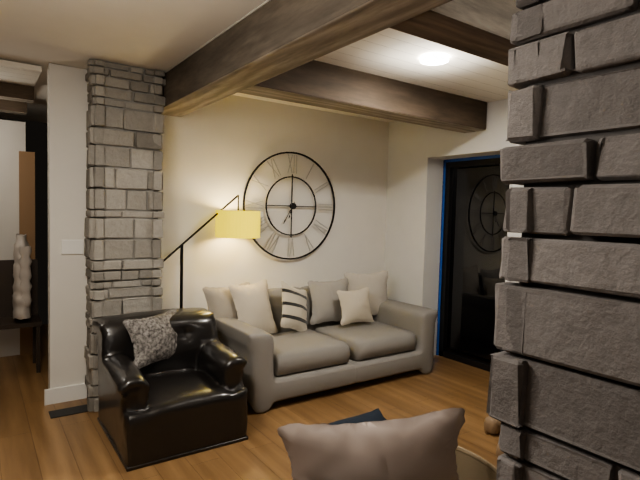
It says 6:35
